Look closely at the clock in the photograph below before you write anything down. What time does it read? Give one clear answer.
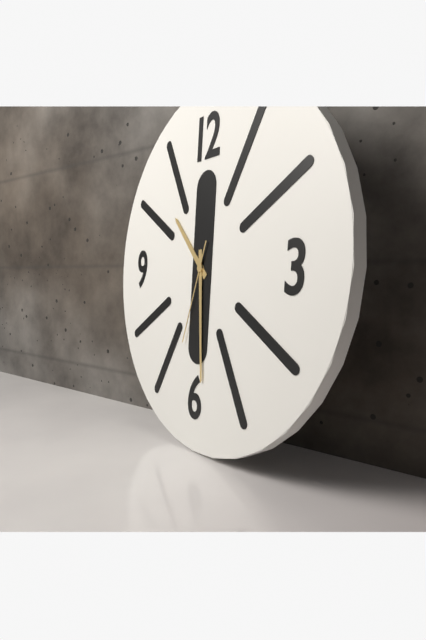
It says 10:29:33
